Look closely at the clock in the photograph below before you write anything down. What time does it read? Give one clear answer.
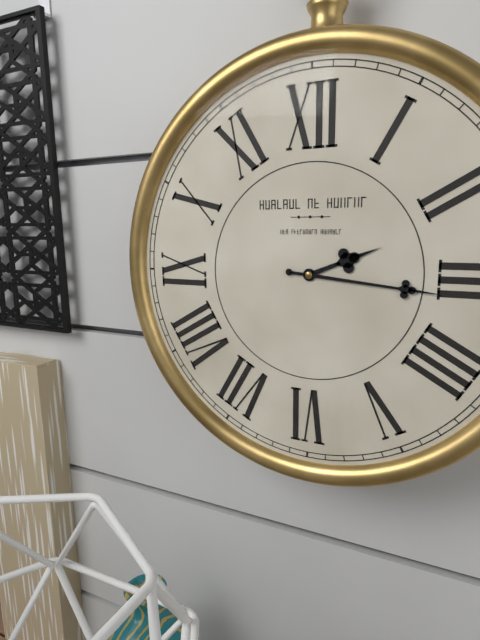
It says 2:16
